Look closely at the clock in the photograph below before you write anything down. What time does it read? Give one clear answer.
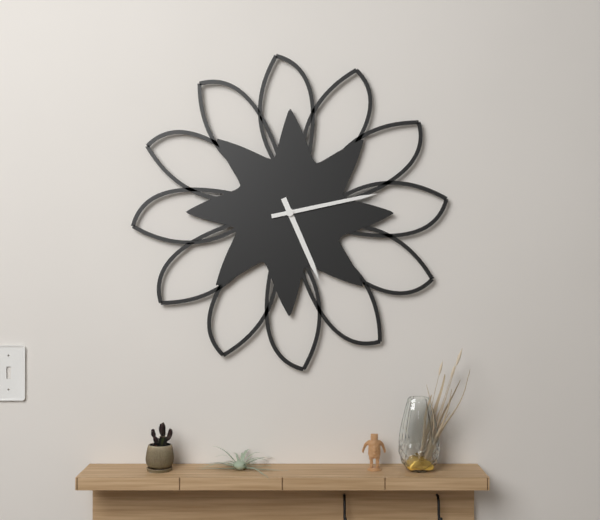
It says 5:13
